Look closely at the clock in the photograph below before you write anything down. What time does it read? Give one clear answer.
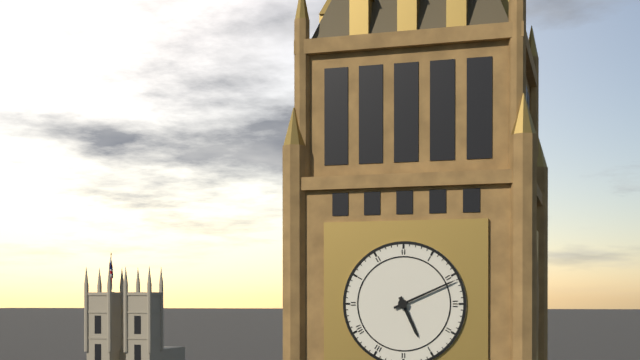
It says 5:11
